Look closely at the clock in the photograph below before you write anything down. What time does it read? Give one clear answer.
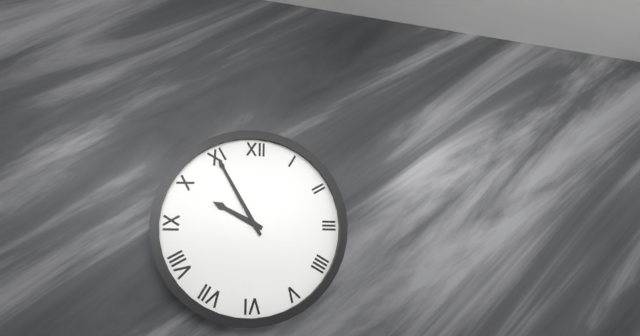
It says 9:55
